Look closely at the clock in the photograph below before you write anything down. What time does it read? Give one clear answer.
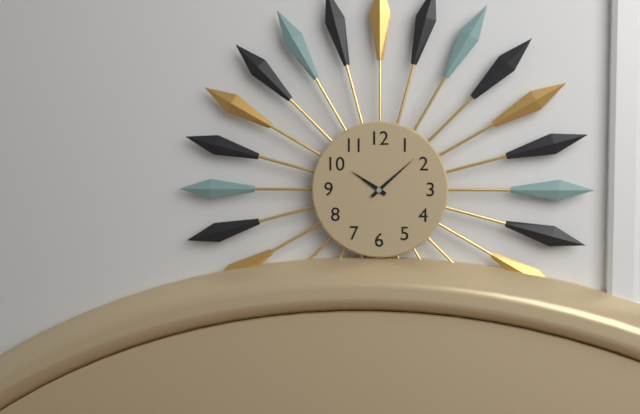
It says 10:08
